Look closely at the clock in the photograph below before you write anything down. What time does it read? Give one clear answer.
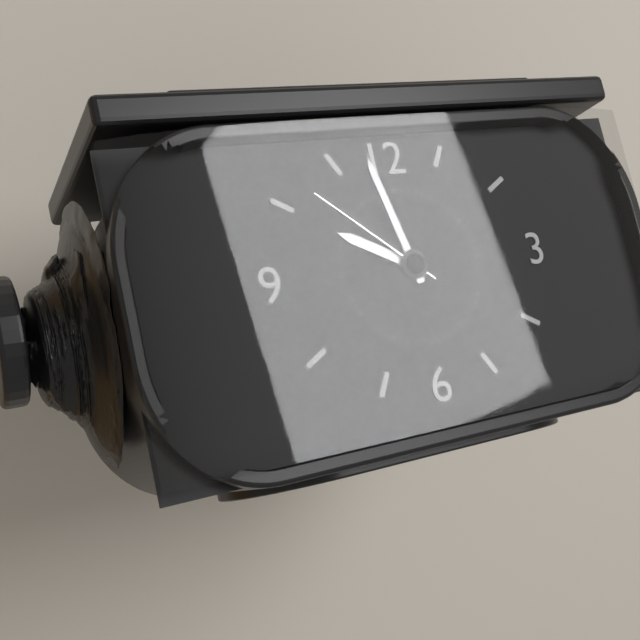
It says 9:58:52
